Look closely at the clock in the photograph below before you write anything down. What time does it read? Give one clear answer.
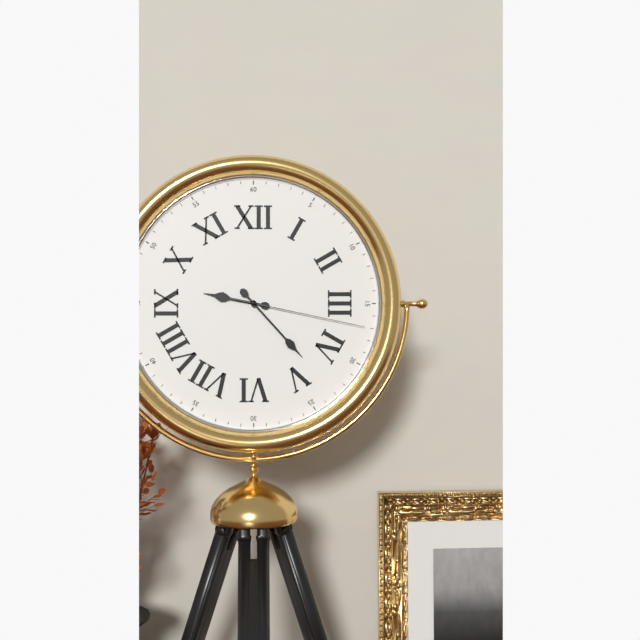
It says 9:23:17
